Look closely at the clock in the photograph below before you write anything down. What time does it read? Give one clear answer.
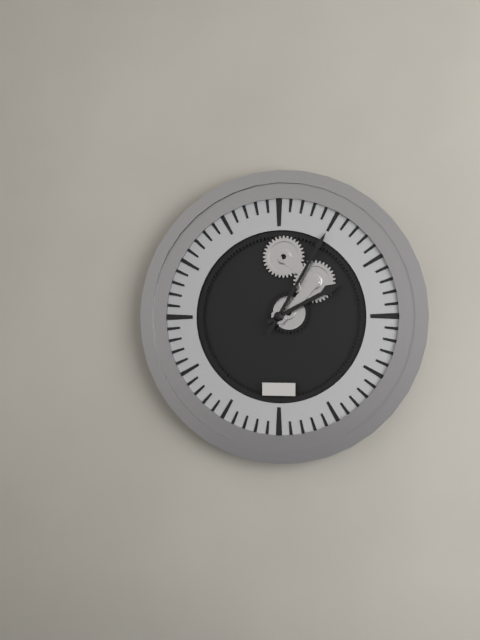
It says 2:05
